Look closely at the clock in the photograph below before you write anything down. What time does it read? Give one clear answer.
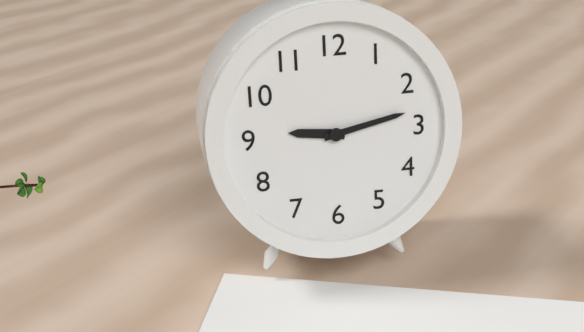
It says 9:13
